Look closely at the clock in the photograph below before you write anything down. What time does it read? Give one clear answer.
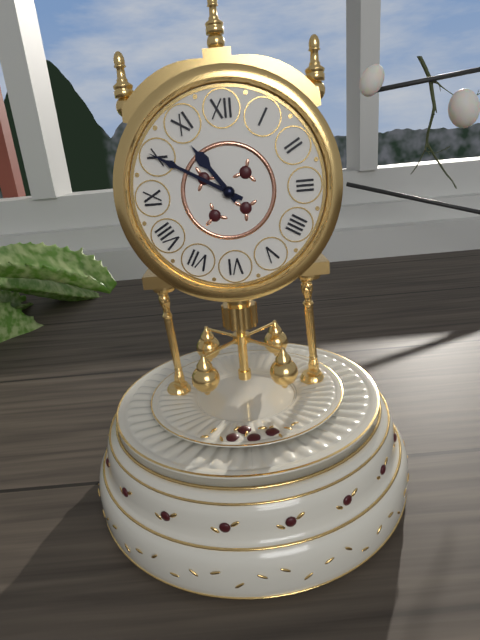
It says 10:50
